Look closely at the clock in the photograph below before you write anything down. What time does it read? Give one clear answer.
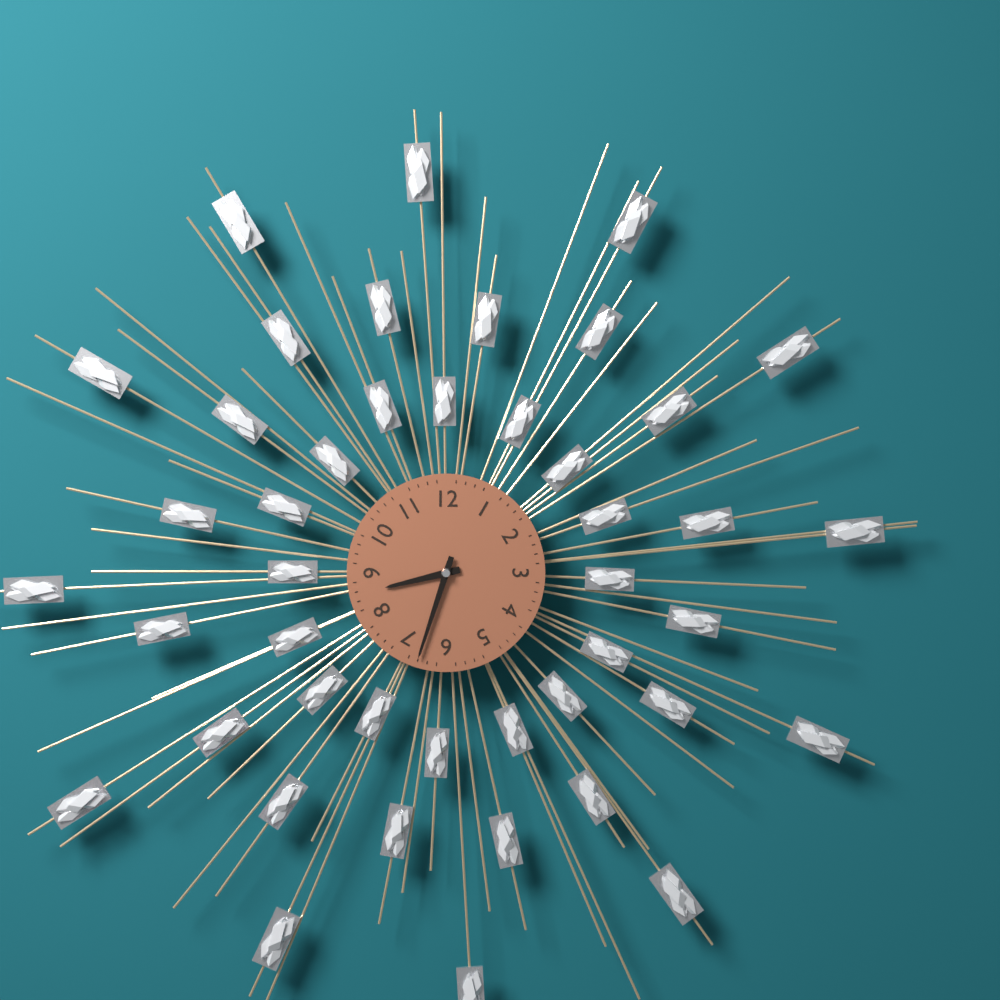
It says 8:33
